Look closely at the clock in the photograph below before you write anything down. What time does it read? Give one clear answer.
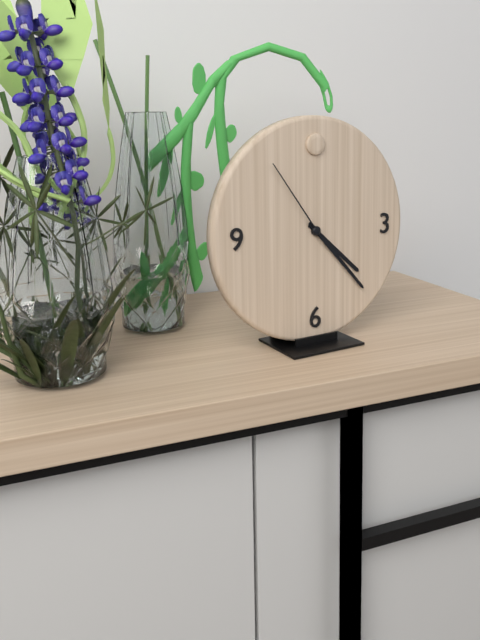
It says 4:23:54
